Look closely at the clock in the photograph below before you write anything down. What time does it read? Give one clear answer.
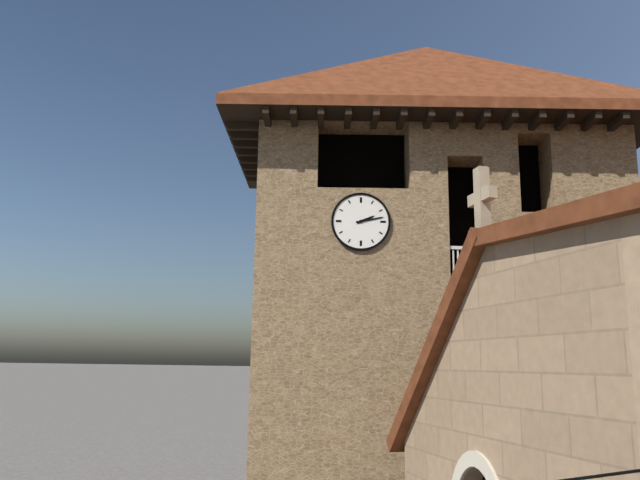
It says 2:13
